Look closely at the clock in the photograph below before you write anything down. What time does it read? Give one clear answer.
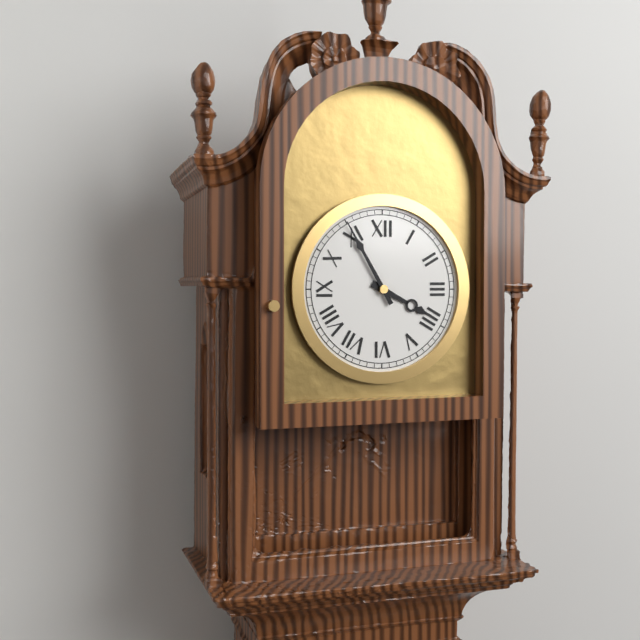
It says 3:55
